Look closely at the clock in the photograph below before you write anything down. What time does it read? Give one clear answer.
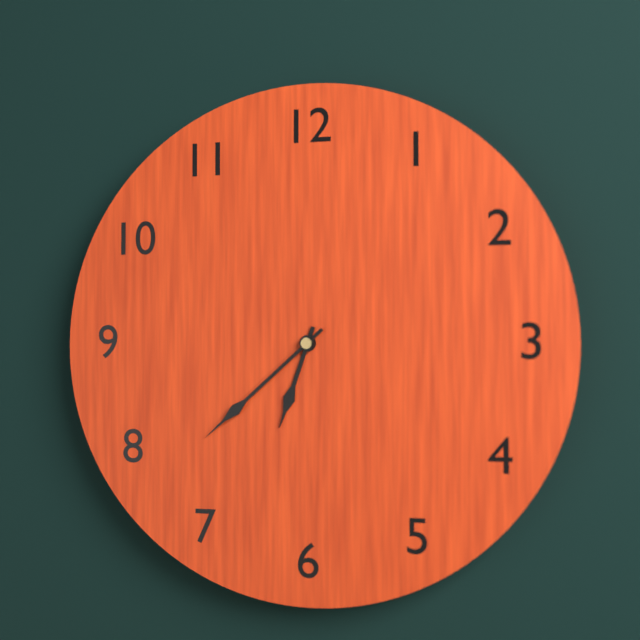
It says 6:38
